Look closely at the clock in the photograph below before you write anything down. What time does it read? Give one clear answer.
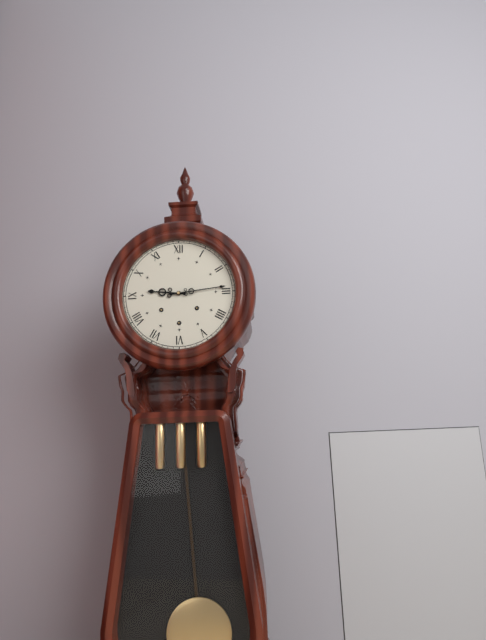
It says 9:14
